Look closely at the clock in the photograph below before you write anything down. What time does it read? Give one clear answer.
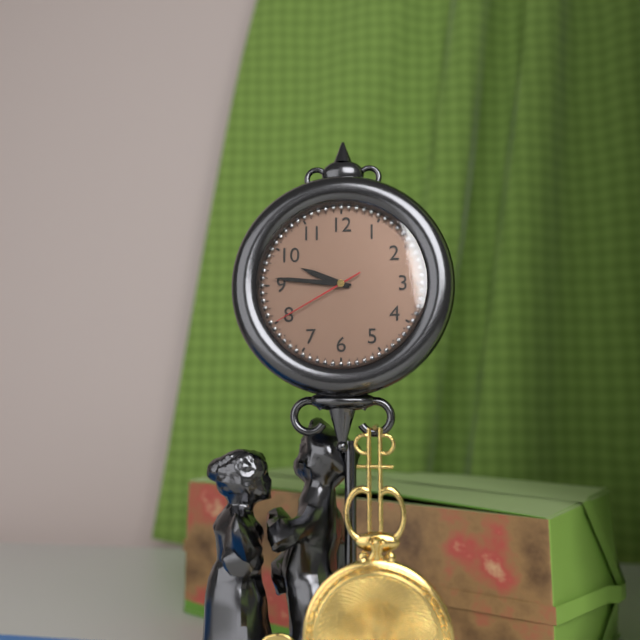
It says 9:46:40
